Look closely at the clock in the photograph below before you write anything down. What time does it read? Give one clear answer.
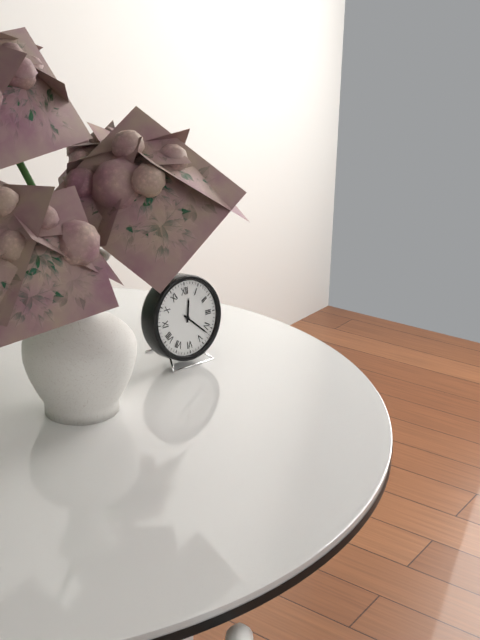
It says 12:22
